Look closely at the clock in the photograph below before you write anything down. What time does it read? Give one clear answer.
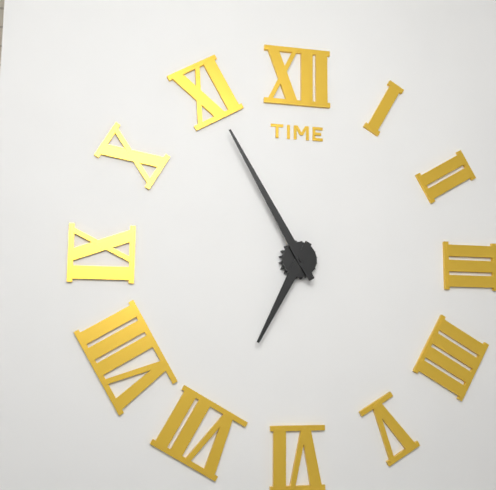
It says 6:55
